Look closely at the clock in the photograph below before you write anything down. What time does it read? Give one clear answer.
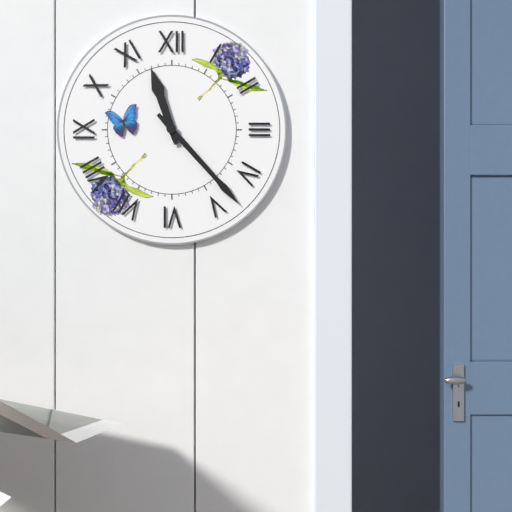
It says 11:23
